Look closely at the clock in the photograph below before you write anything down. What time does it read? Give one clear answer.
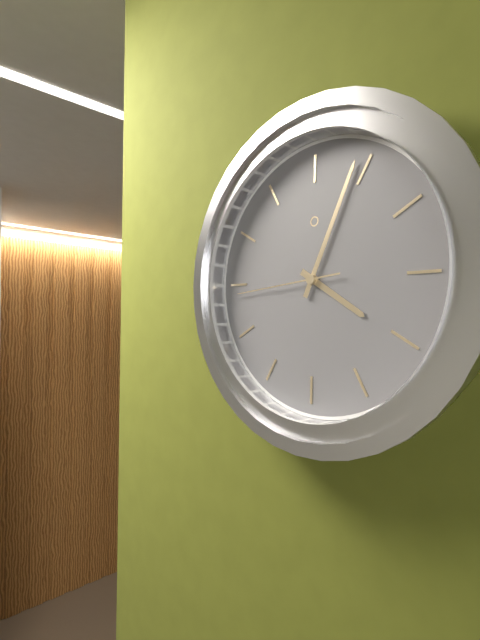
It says 4:04:44
